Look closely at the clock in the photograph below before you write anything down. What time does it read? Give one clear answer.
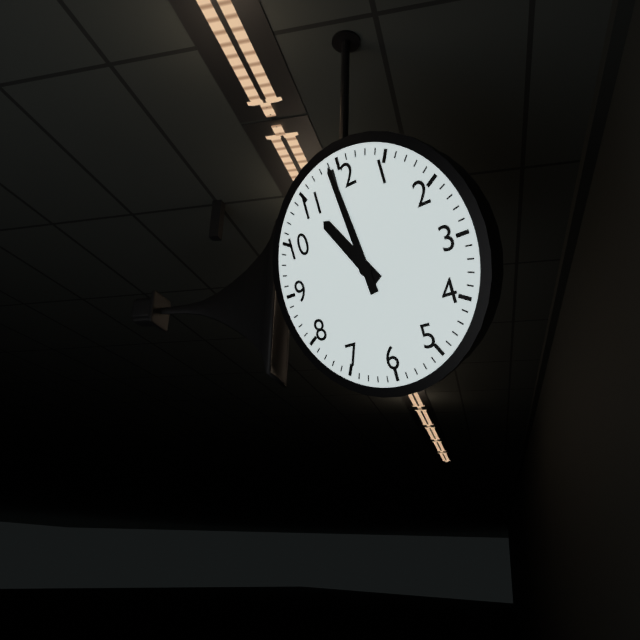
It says 10:59
